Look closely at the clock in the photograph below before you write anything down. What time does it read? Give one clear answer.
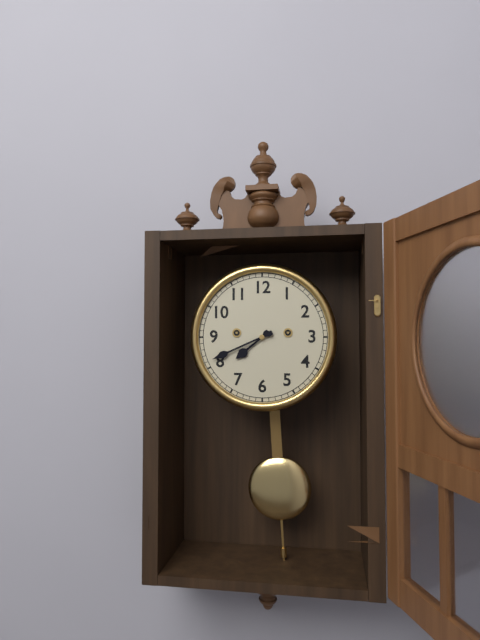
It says 7:41
